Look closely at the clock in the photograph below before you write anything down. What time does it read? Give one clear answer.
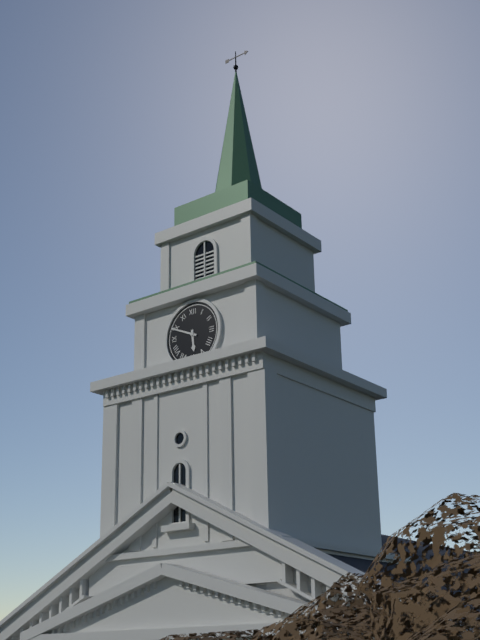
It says 5:49
